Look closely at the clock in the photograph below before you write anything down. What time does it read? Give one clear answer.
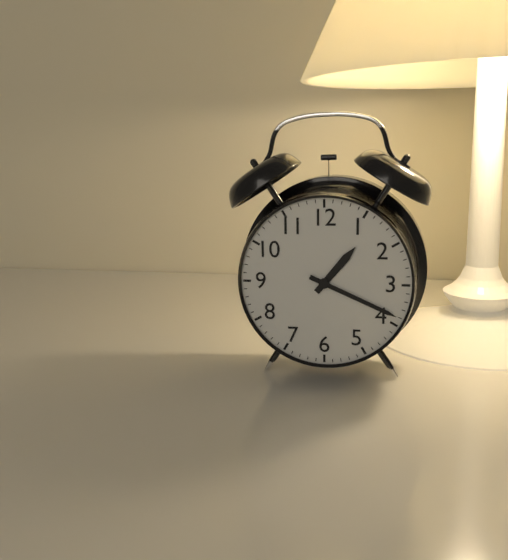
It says 1:19
